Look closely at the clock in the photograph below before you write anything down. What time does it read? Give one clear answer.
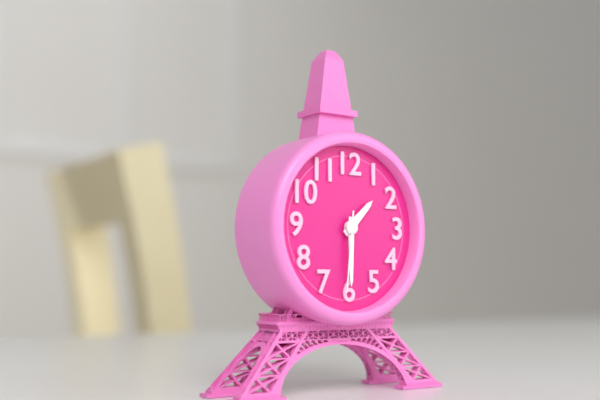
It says 1:30:31
